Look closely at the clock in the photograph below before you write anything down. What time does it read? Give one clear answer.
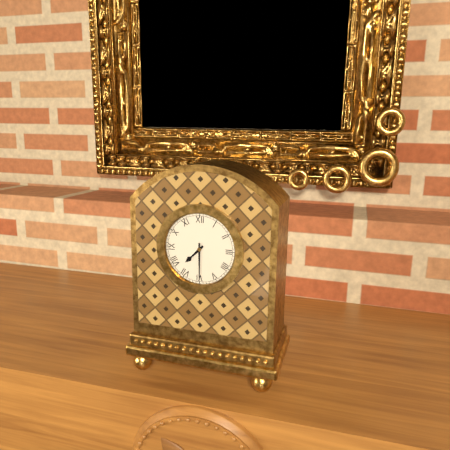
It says 7:30
